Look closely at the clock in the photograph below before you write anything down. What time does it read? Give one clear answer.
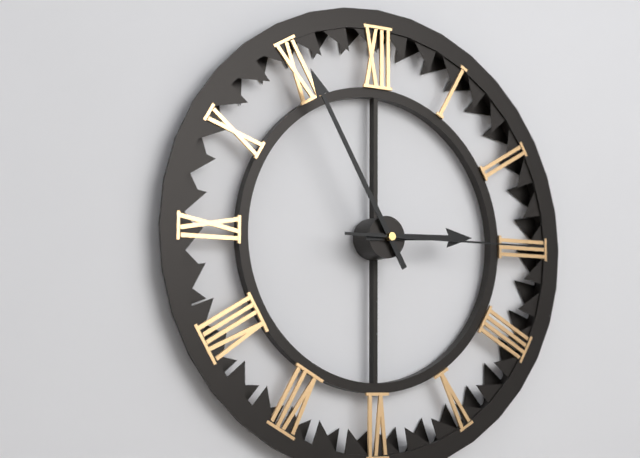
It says 2:55:15
